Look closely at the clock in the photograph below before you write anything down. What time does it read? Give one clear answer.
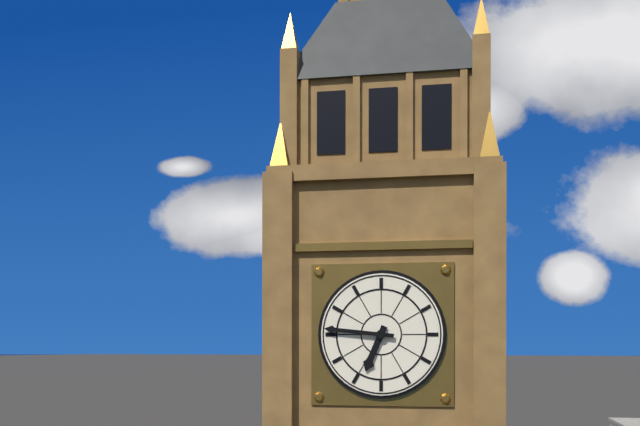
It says 6:46
